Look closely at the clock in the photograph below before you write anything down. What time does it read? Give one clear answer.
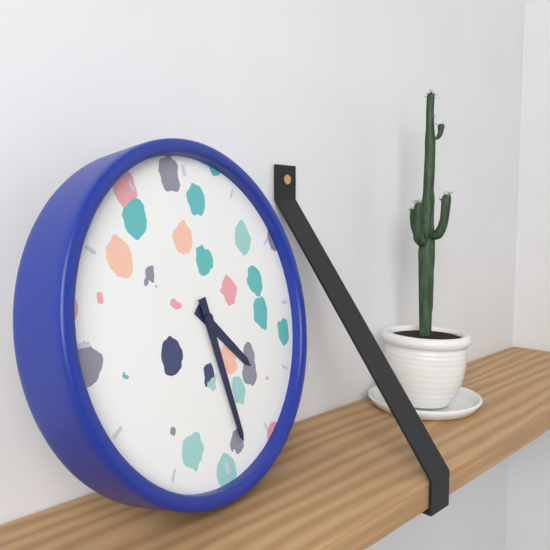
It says 4:28
